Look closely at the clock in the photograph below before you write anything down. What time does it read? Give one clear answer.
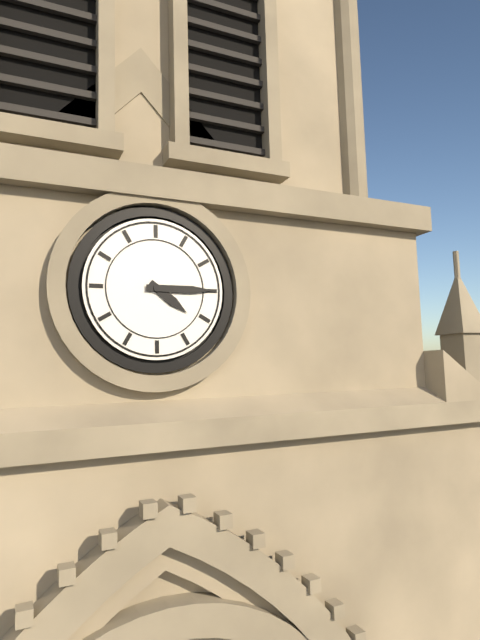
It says 4:15
